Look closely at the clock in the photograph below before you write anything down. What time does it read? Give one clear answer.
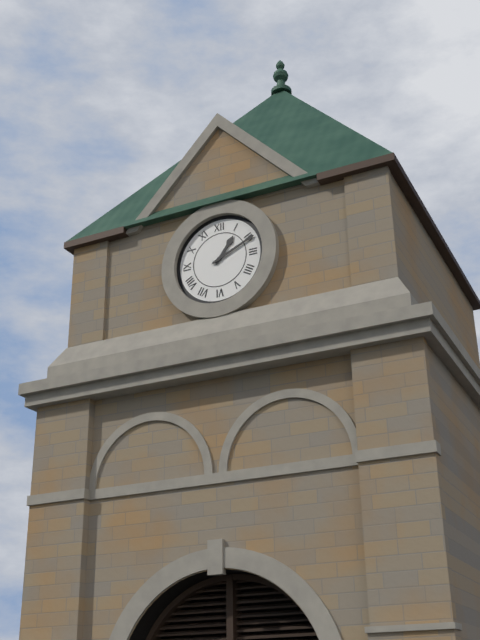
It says 1:11
